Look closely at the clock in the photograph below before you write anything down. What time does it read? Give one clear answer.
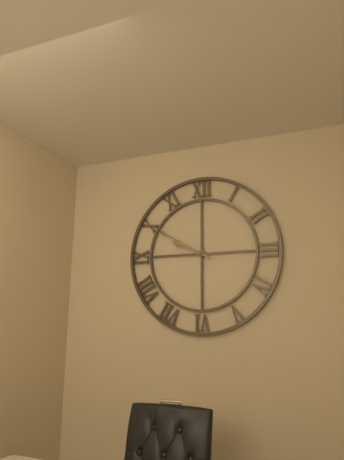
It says 9:50
